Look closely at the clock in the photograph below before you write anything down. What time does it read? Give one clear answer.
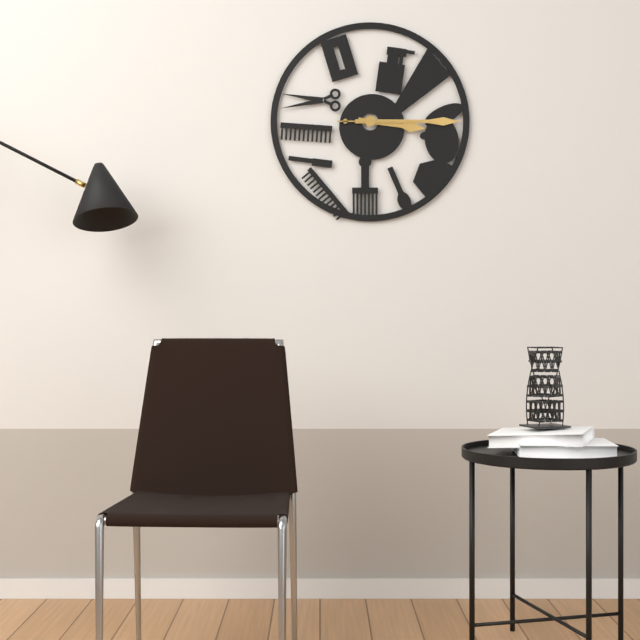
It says 3:15:15
